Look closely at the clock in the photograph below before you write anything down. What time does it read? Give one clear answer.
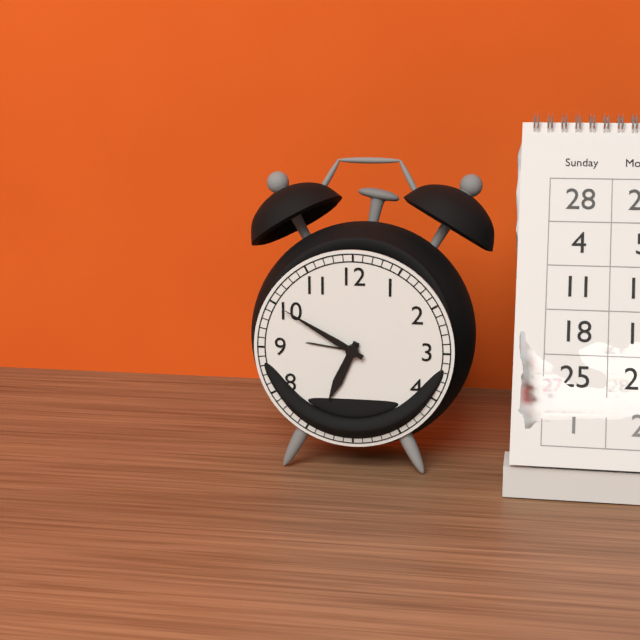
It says 6:50
